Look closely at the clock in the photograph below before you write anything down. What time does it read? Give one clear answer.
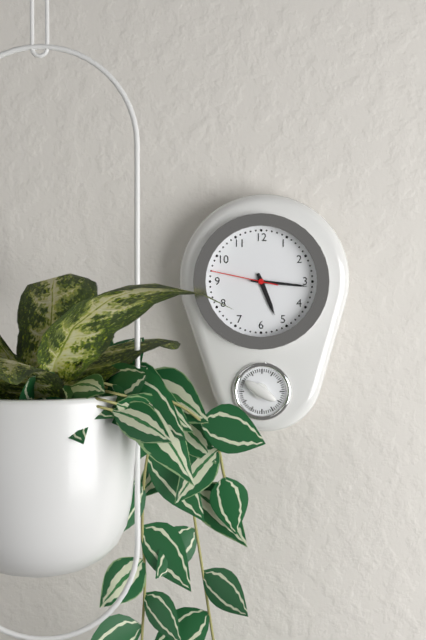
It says 5:16:47
